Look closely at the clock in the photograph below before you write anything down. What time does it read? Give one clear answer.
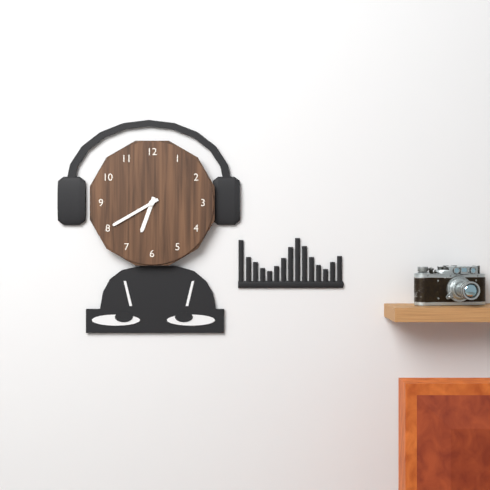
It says 6:40
